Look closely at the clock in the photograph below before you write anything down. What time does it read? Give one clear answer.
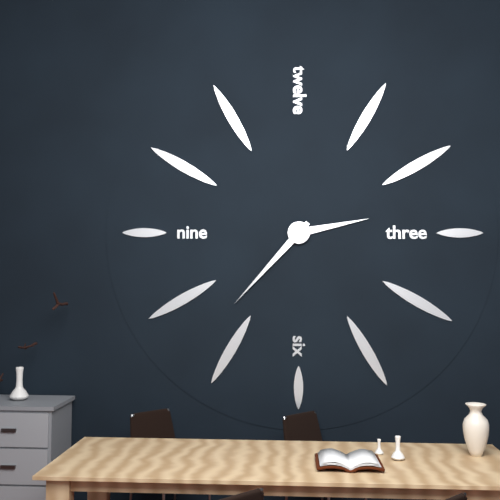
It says 2:37
